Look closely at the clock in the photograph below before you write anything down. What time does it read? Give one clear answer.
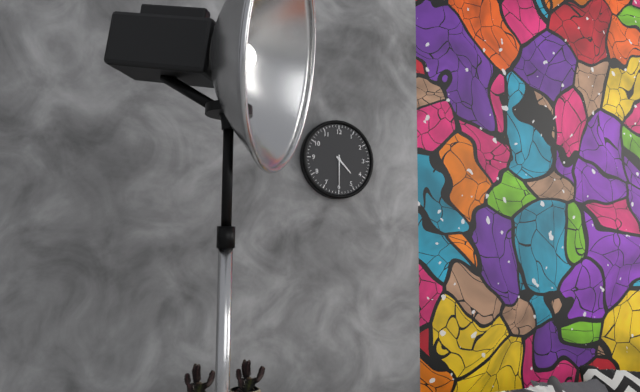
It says 4:30
